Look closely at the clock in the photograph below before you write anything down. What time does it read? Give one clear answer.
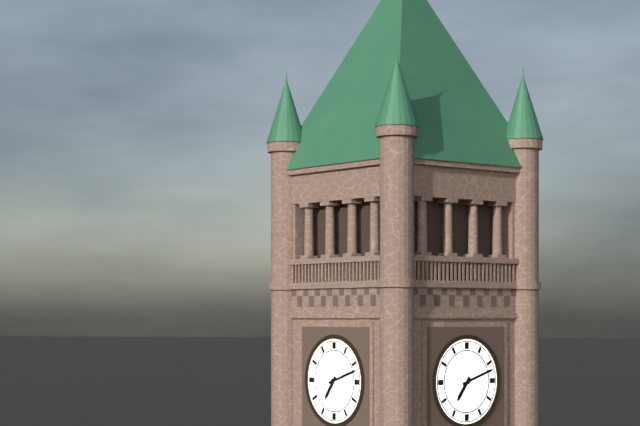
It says 7:12
